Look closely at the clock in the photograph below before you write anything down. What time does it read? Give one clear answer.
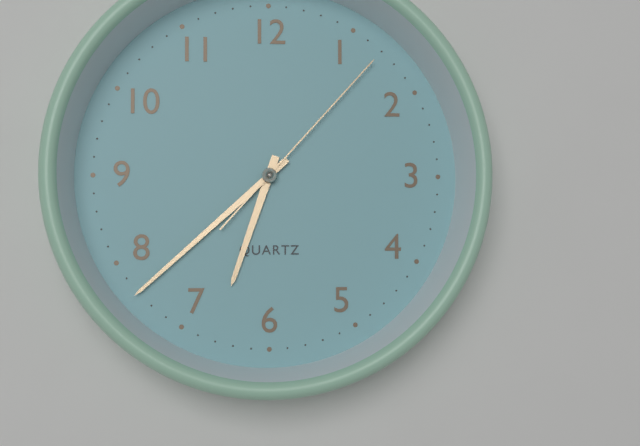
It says 6:38:07
